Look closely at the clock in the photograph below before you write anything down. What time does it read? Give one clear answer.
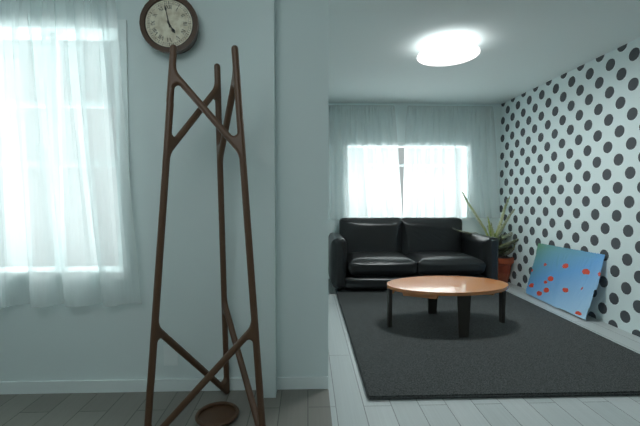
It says 4:58
